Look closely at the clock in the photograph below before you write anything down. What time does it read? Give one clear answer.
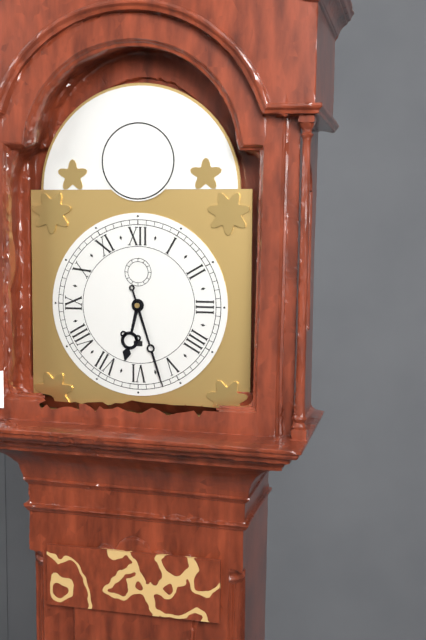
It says 6:27
